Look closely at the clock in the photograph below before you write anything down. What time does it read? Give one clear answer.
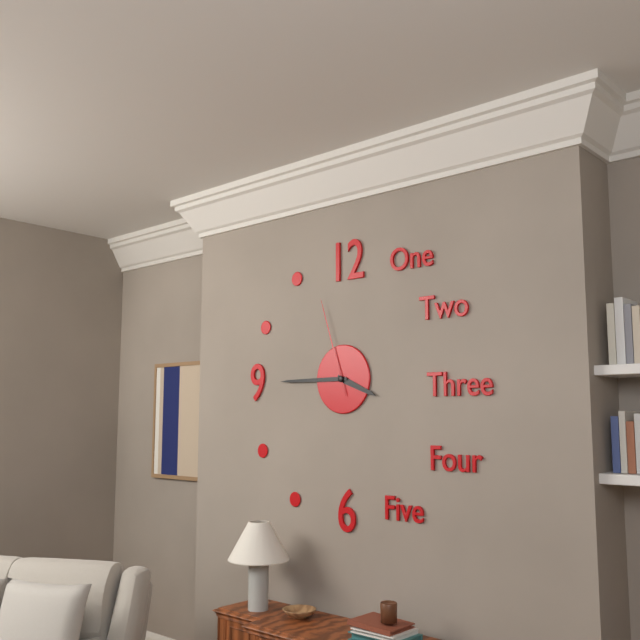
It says 3:45:57
